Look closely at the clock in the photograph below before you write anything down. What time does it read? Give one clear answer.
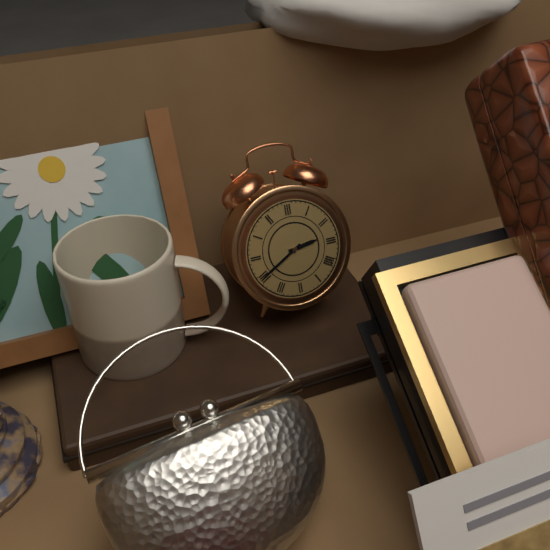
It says 2:40
